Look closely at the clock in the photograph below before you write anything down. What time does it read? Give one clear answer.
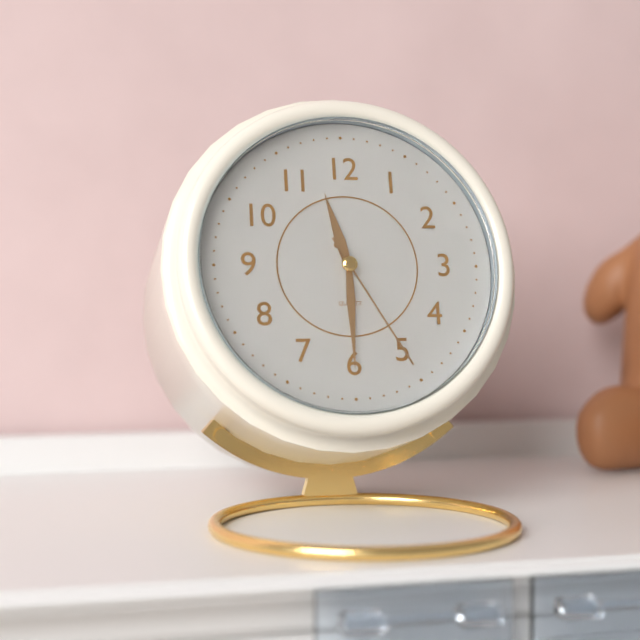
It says 11:30:25
